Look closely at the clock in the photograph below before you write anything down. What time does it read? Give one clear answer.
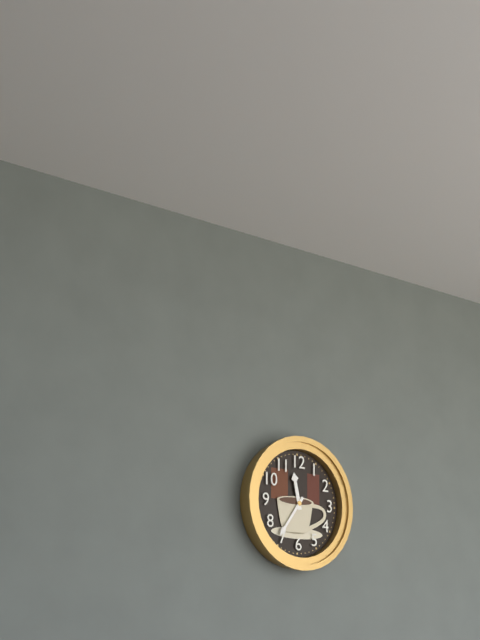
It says 11:36
